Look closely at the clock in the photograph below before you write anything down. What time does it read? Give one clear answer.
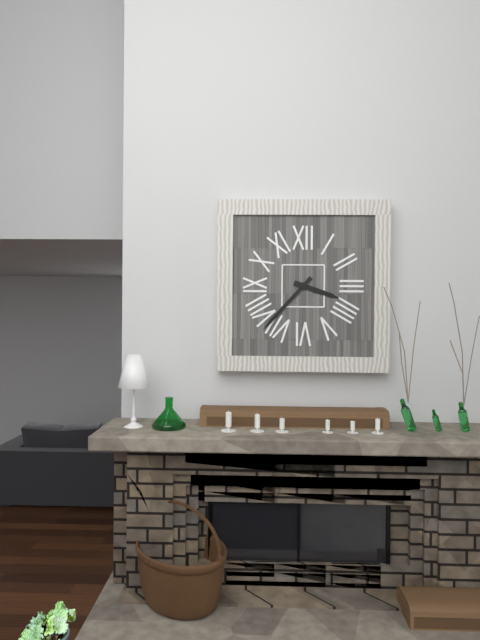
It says 3:37
